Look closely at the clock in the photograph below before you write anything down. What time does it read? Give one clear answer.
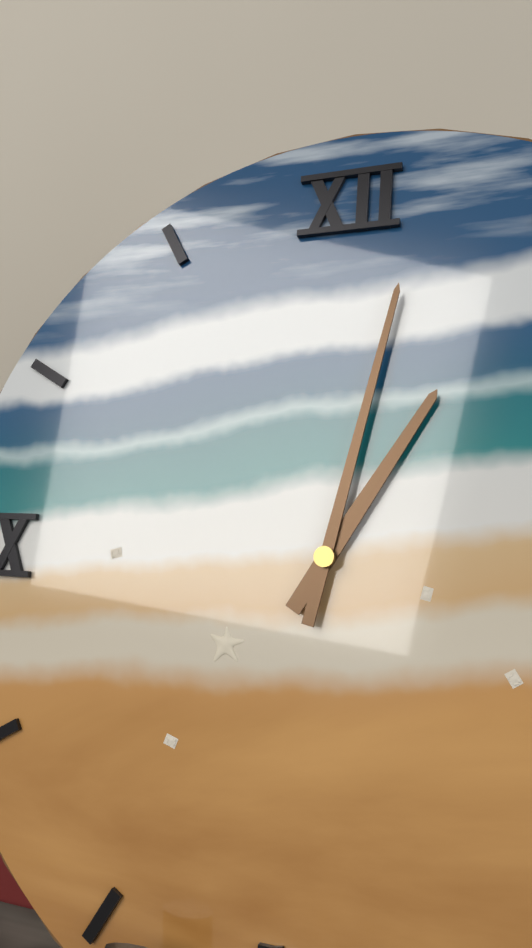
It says 1:02
